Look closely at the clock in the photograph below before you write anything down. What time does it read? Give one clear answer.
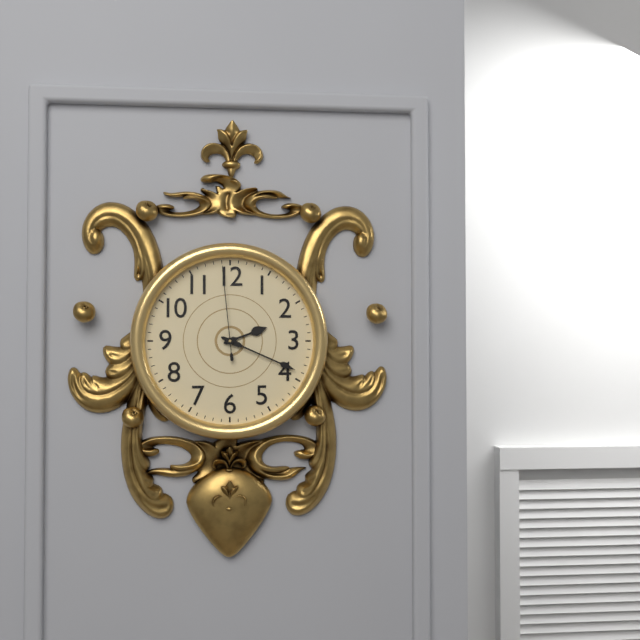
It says 2:19:59
